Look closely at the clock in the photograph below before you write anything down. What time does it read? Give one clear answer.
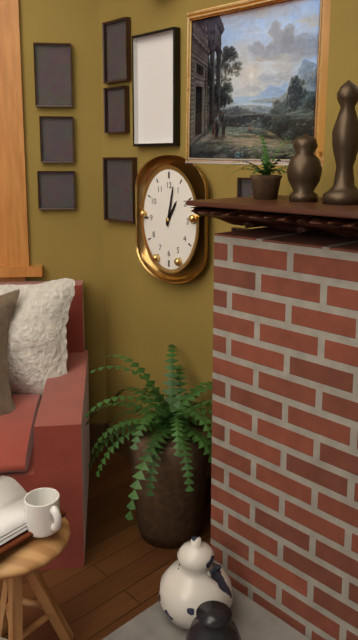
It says 1:02
